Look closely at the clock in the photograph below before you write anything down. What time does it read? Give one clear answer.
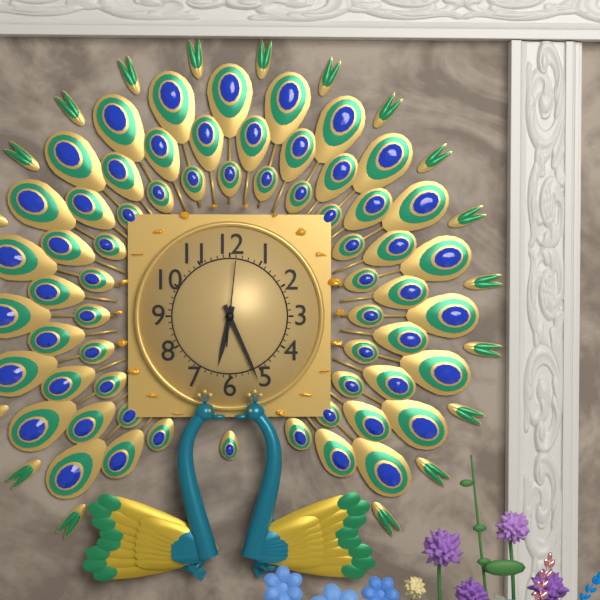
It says 6:26:01
